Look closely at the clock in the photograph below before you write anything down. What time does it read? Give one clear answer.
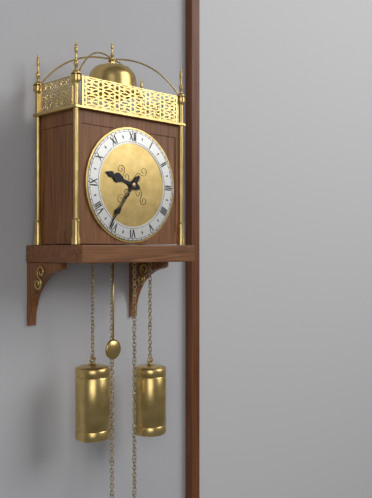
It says 9:36
